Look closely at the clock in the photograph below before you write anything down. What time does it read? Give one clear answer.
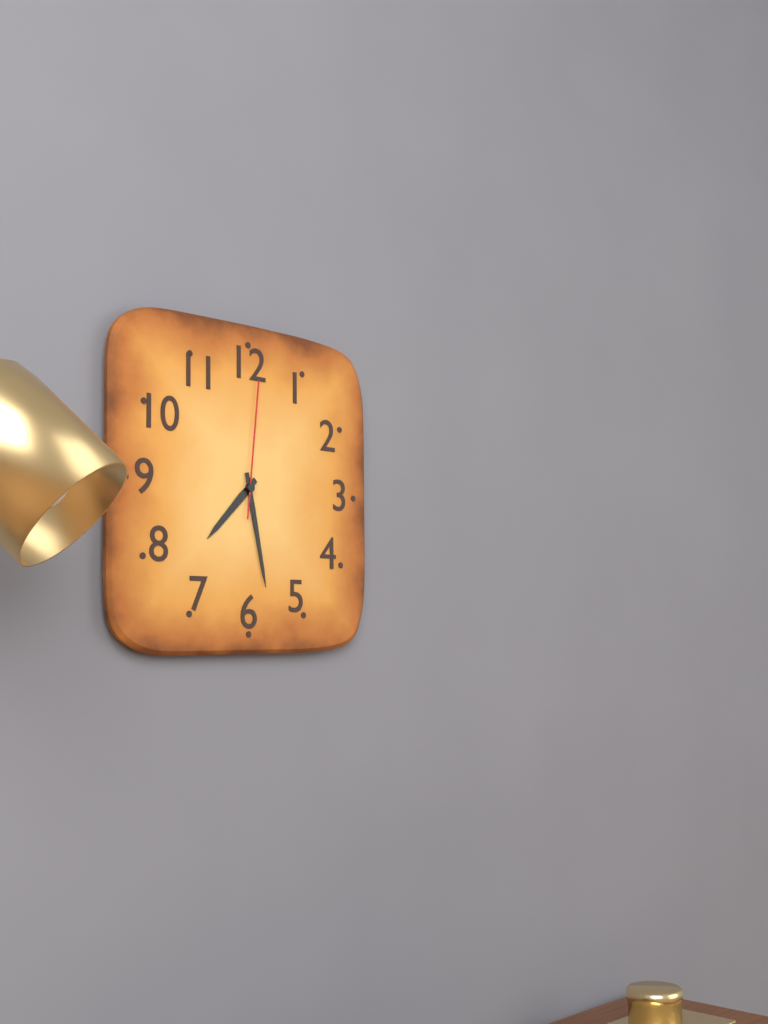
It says 7:28:01
